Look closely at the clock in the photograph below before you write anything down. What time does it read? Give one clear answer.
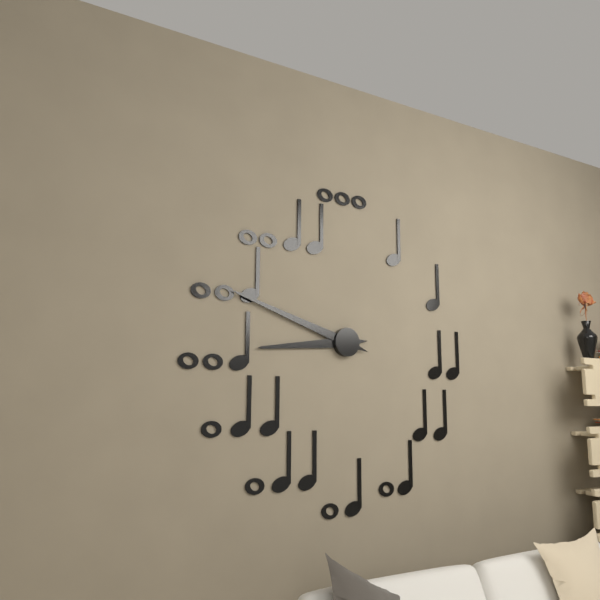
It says 8:48
